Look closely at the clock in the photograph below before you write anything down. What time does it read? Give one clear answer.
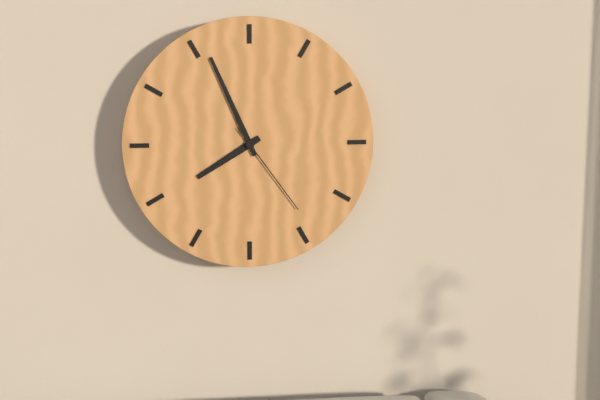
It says 7:56:24
